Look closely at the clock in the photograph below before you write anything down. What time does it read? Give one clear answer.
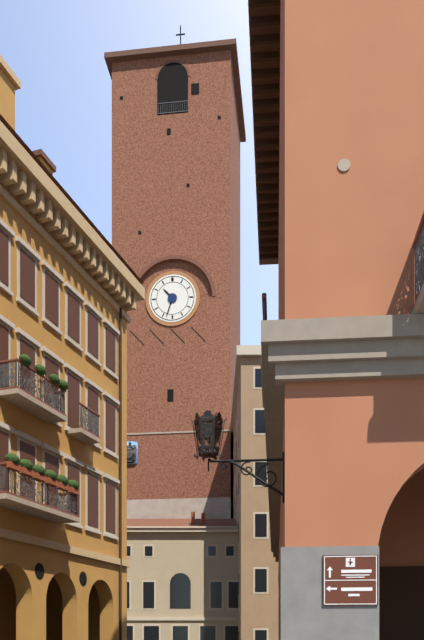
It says 10:33
